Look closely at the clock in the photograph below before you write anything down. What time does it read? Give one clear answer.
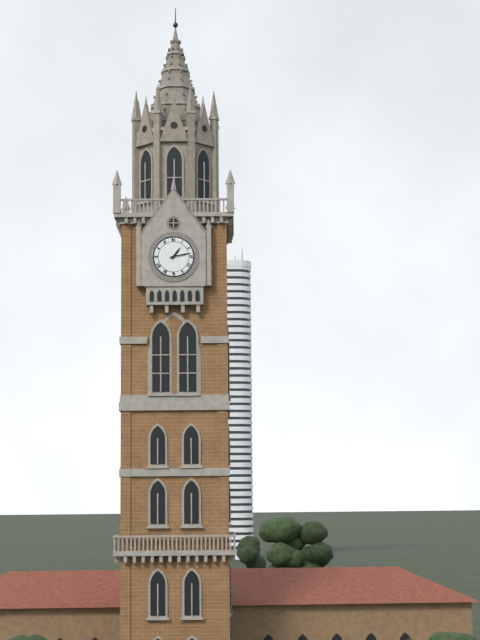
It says 1:13
